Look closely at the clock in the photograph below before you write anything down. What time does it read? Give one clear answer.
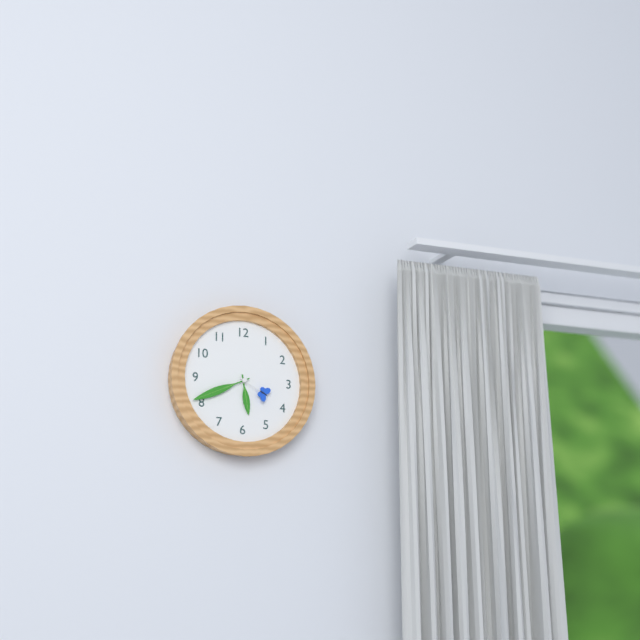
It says 5:41
